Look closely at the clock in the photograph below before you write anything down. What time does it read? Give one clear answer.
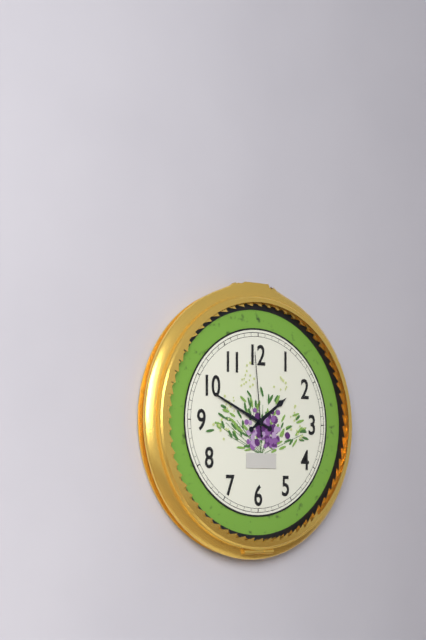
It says 1:49:59
